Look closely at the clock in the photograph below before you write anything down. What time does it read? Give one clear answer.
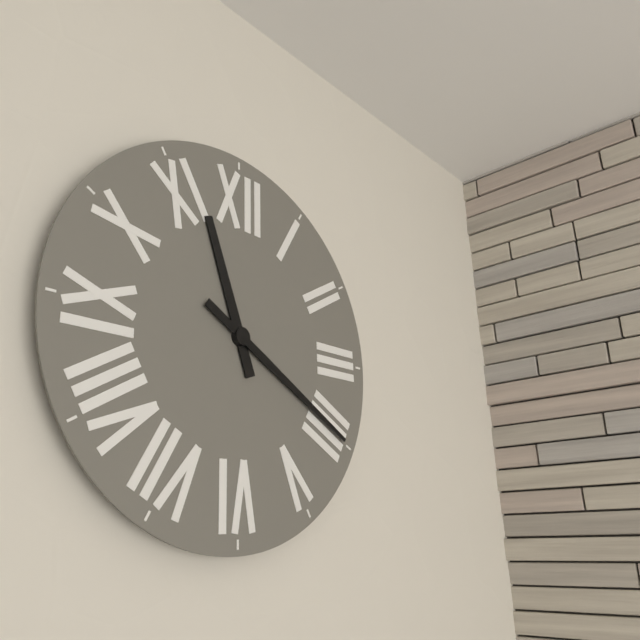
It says 11:20
